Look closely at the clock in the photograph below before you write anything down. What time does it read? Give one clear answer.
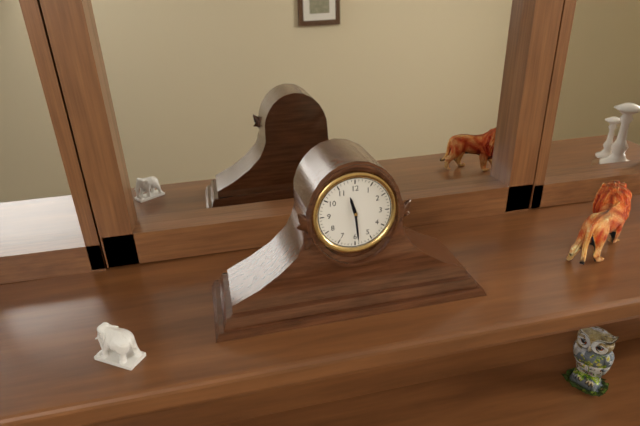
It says 11:29
